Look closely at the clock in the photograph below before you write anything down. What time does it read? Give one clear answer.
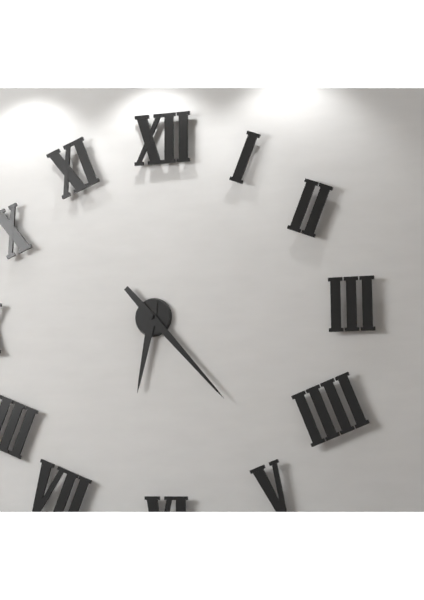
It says 6:23
